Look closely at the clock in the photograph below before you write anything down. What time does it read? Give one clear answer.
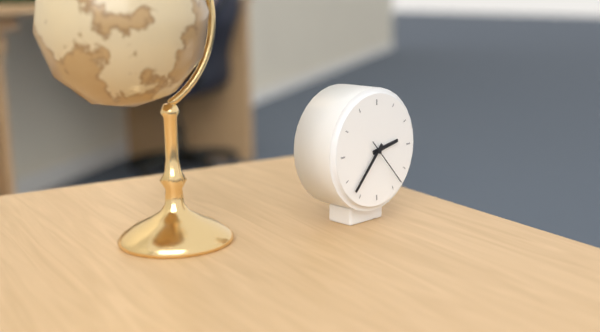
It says 2:37
